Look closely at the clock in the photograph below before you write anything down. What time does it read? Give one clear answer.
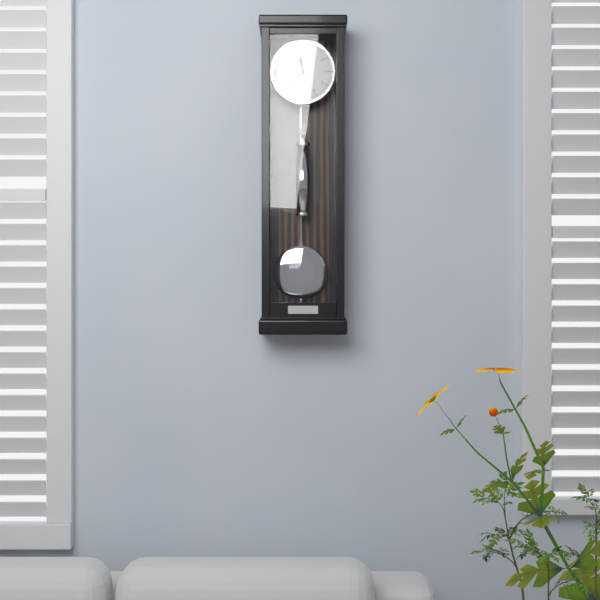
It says 11:37
